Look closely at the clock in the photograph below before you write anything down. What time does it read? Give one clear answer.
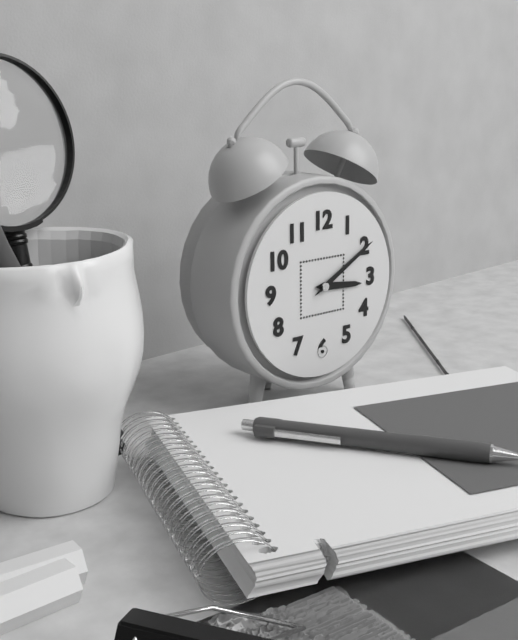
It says 3:10
